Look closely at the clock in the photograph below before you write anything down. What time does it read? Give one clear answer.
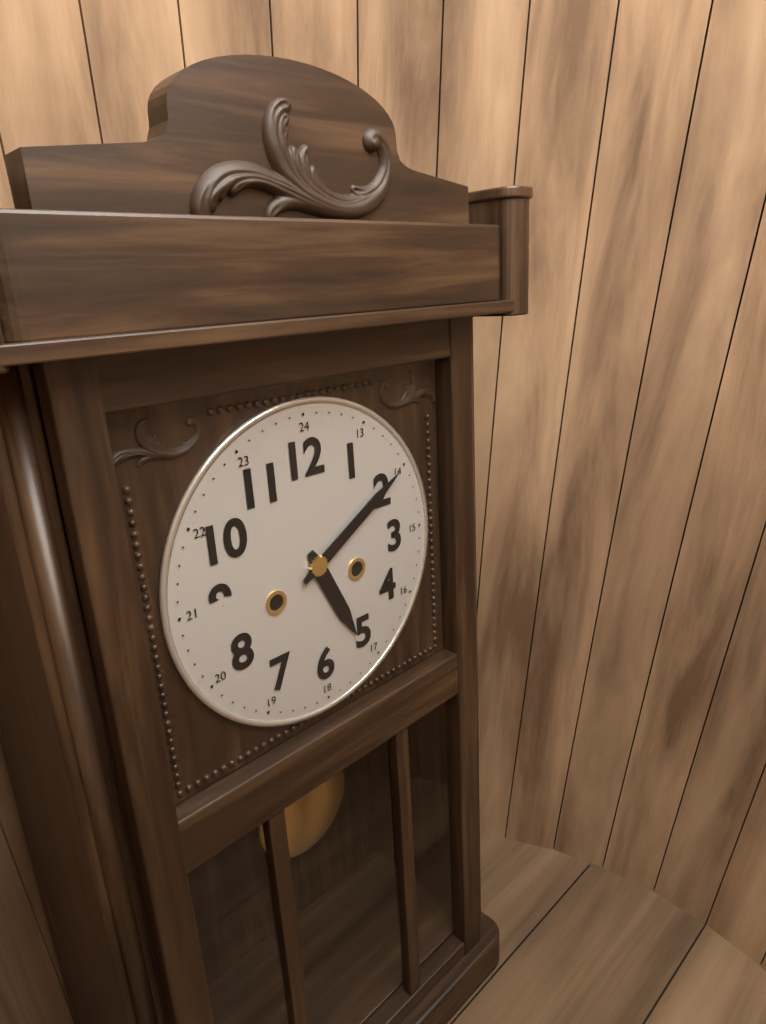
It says 5:10
